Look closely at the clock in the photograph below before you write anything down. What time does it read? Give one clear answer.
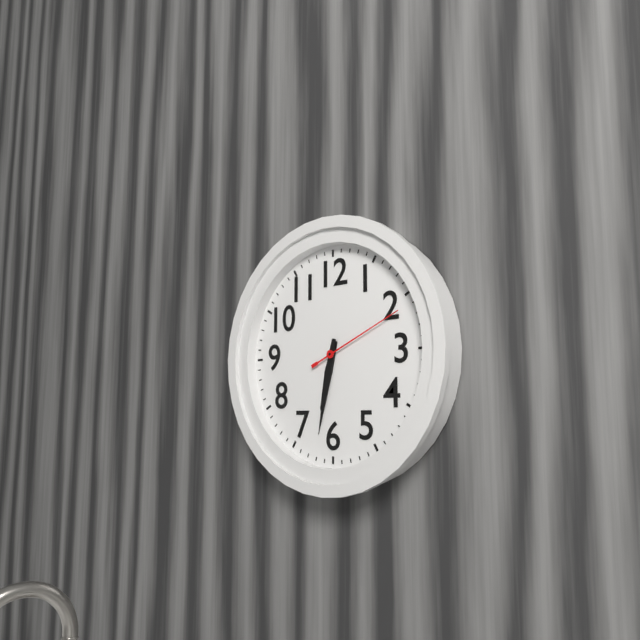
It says 6:32:11
